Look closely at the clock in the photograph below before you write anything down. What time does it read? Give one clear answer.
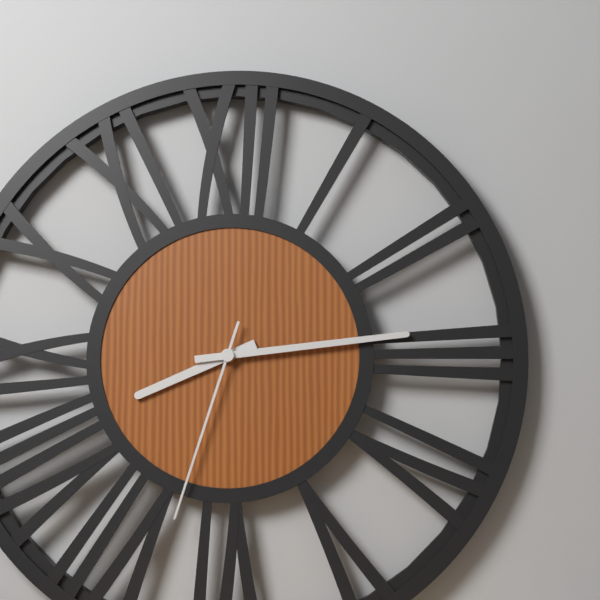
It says 8:14:33
